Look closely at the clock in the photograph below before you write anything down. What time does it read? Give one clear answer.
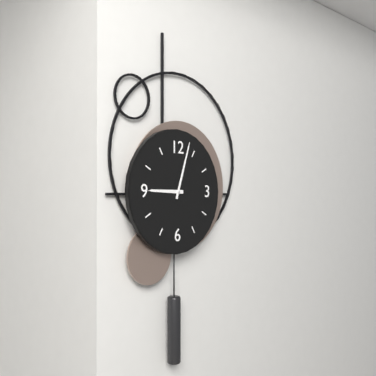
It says 9:03
